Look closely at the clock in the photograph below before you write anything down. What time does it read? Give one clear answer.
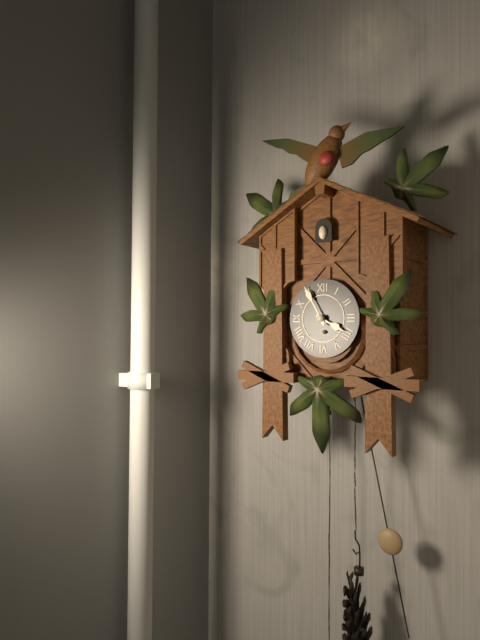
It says 3:55
